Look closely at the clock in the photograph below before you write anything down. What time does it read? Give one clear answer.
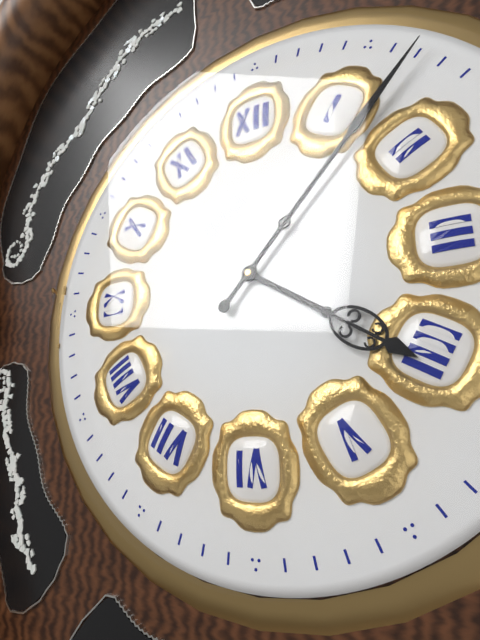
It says 4:07
